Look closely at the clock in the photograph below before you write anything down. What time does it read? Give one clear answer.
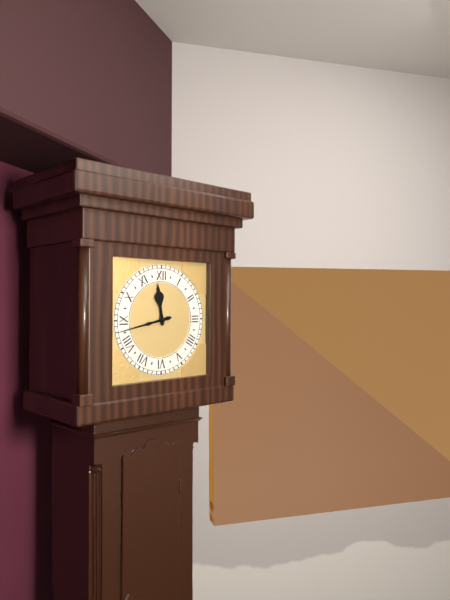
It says 11:43
